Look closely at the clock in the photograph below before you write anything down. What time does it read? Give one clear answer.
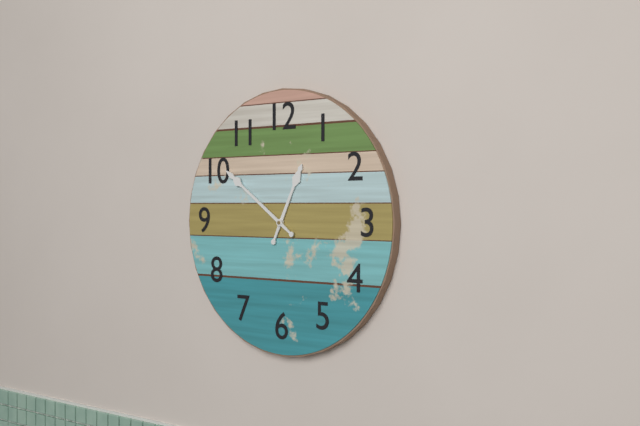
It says 12:51
